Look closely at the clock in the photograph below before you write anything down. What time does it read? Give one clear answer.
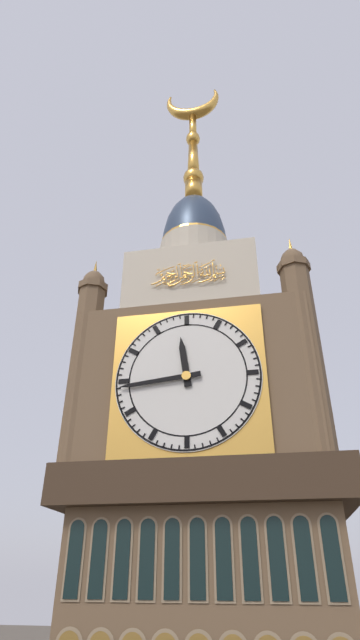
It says 11:44
